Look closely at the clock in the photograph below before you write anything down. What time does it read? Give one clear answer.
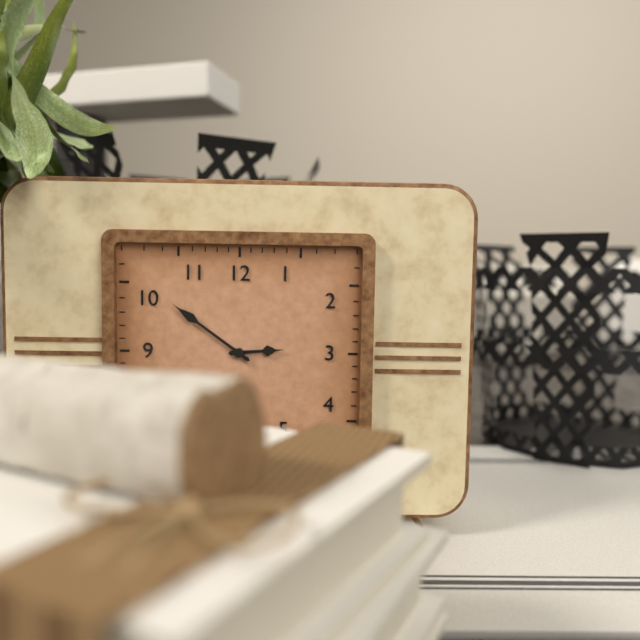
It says 2:51
